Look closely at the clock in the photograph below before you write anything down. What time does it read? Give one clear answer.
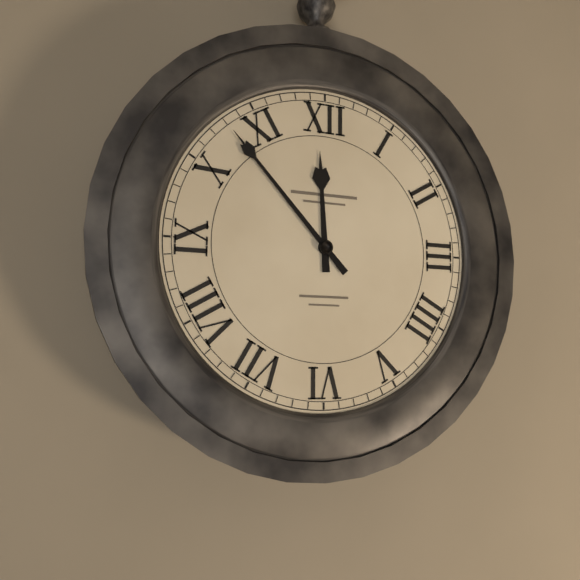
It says 11:53
